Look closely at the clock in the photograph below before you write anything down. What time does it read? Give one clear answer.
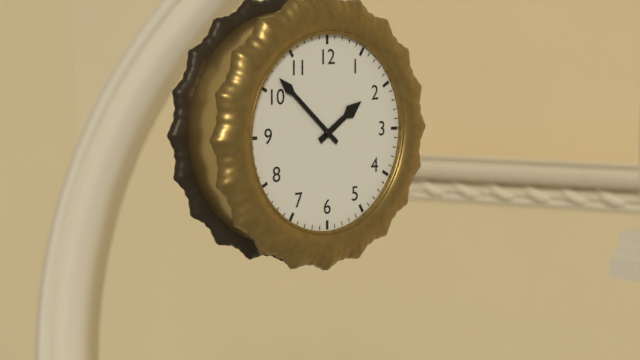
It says 1:52
